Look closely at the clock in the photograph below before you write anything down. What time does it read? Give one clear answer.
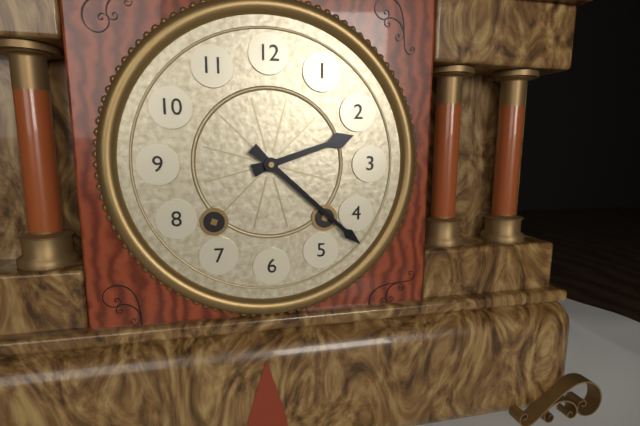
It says 2:22
